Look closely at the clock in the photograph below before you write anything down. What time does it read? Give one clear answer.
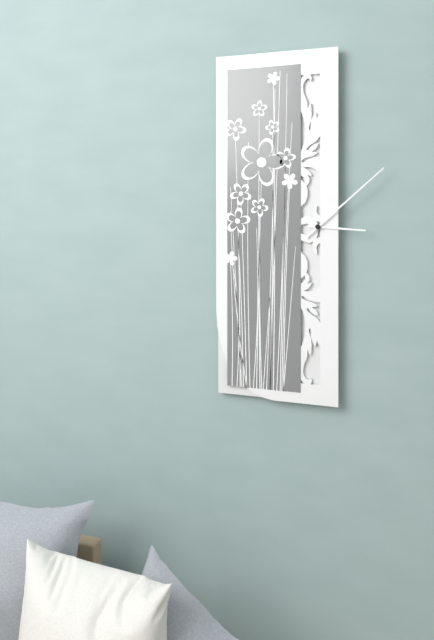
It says 3:08
